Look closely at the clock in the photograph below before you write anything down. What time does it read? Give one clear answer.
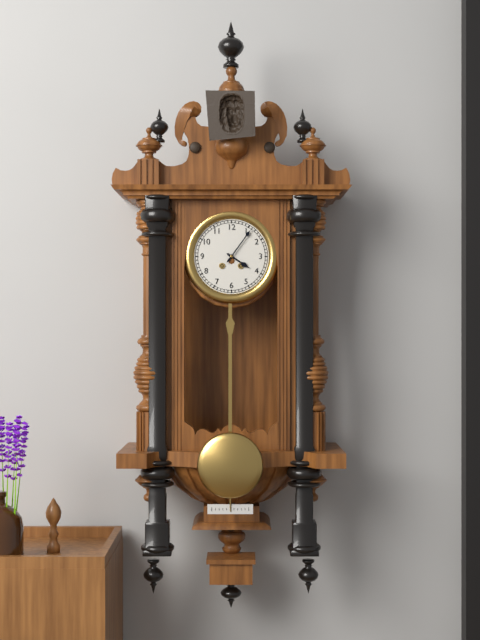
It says 4:06
